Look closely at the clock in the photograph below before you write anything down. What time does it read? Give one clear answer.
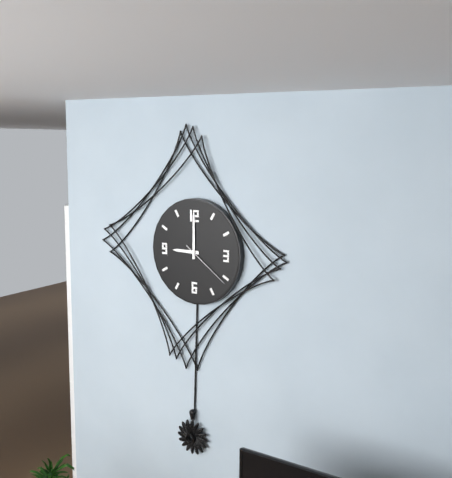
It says 9:00:21
